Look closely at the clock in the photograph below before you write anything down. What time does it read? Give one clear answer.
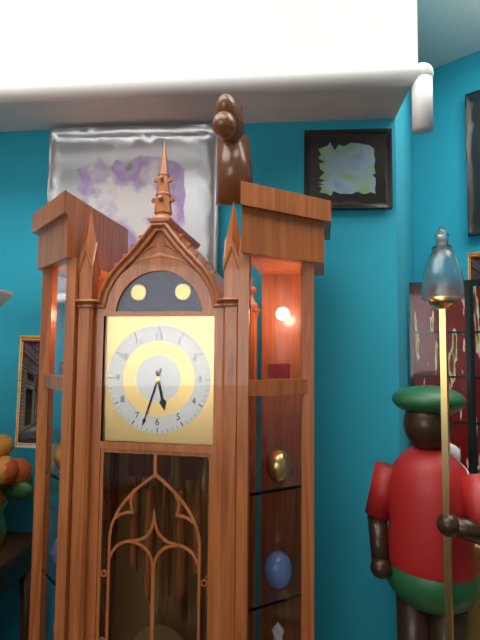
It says 5:33
